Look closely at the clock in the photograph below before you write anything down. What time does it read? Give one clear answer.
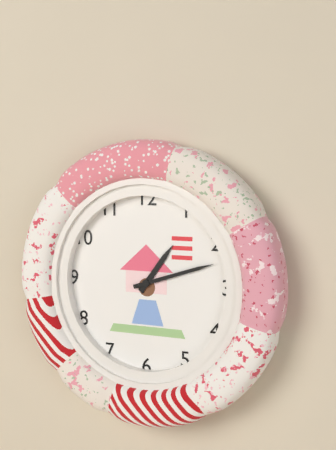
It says 1:12
